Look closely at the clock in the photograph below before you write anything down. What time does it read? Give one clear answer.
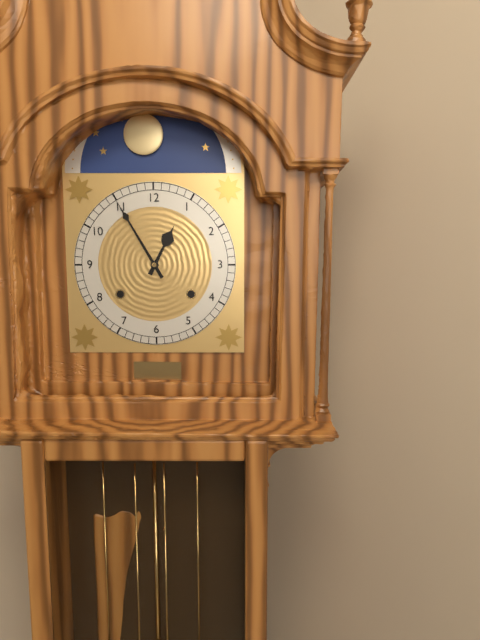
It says 12:55
